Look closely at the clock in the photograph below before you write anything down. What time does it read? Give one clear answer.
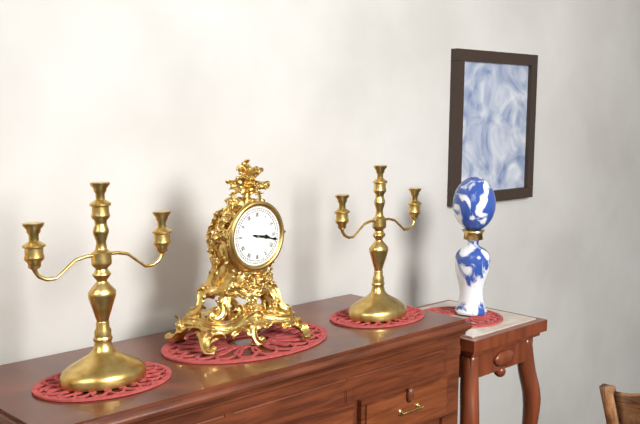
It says 3:17
